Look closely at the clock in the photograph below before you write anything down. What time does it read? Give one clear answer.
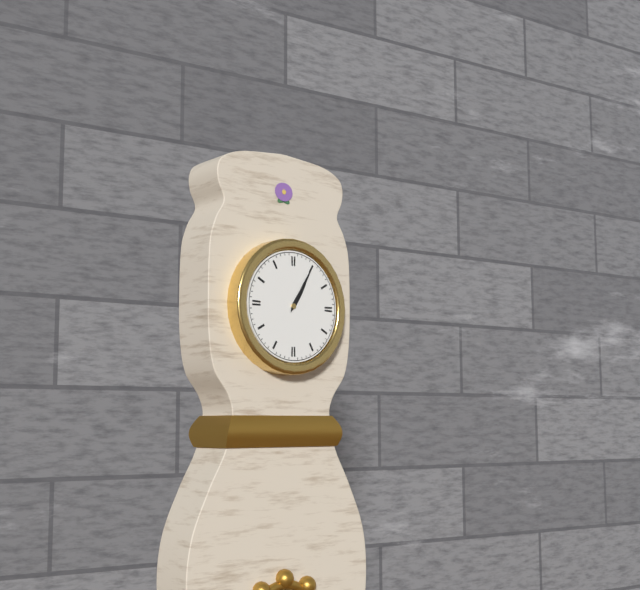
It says 1:05
